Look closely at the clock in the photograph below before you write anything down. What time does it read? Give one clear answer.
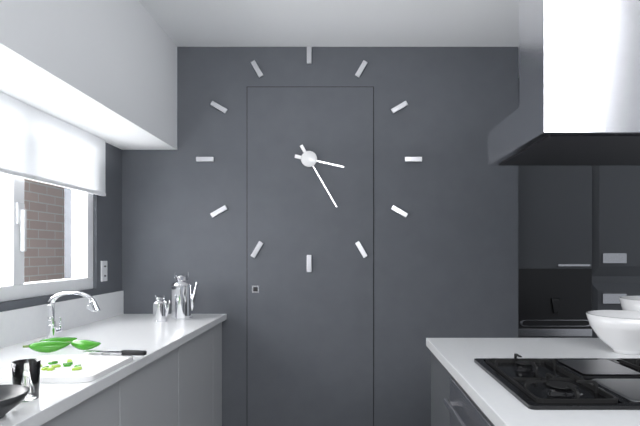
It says 3:25
